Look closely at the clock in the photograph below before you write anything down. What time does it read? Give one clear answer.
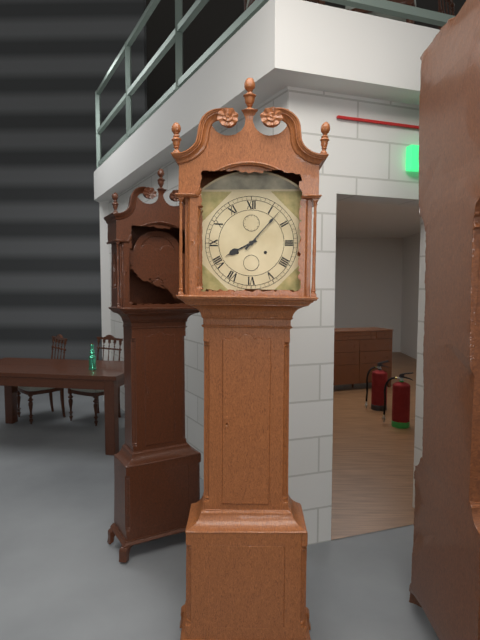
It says 8:07
